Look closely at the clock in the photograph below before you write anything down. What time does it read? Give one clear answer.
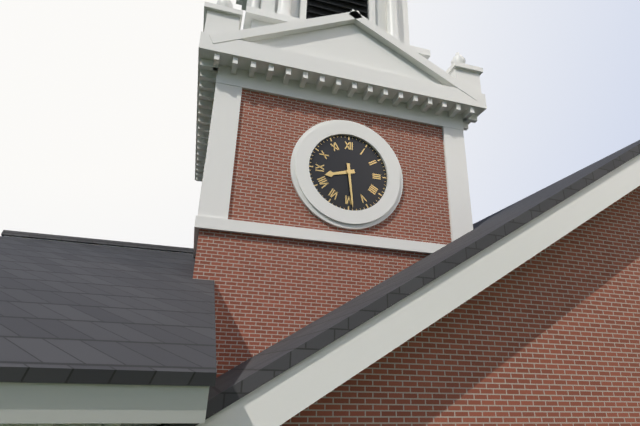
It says 8:29
